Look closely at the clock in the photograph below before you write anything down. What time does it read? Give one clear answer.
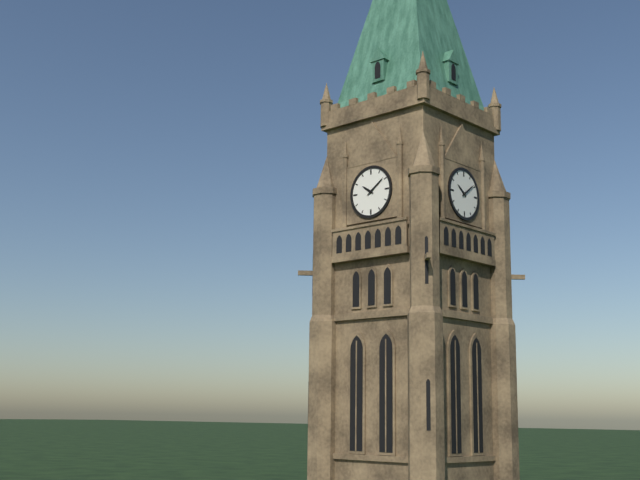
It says 10:09
